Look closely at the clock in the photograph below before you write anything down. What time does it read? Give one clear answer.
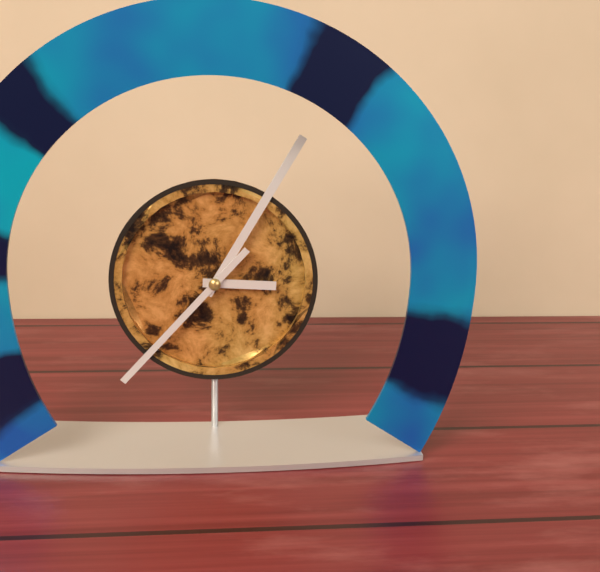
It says 3:05:37
